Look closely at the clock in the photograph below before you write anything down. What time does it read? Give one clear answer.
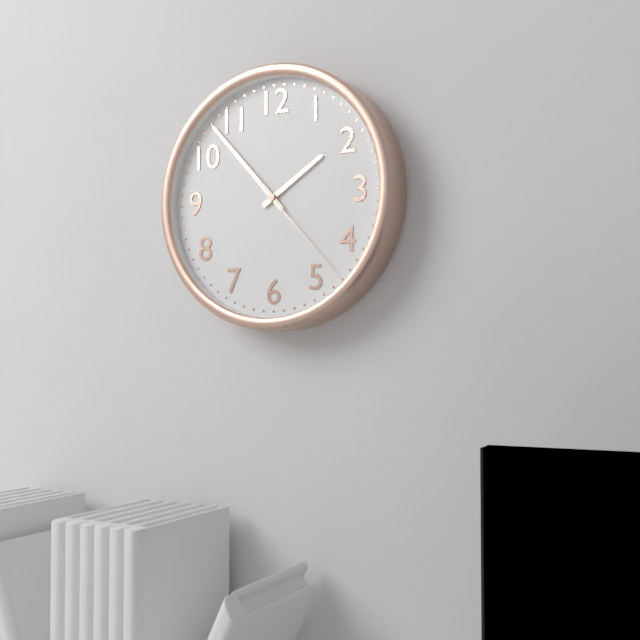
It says 1:53:23
